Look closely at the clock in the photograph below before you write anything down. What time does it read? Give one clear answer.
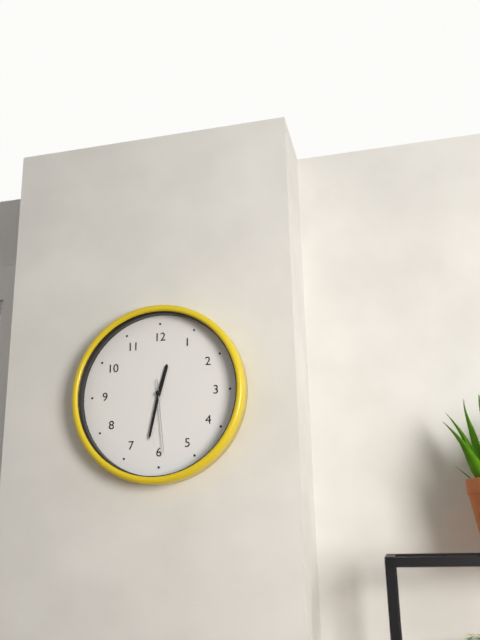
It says 12:32:29
